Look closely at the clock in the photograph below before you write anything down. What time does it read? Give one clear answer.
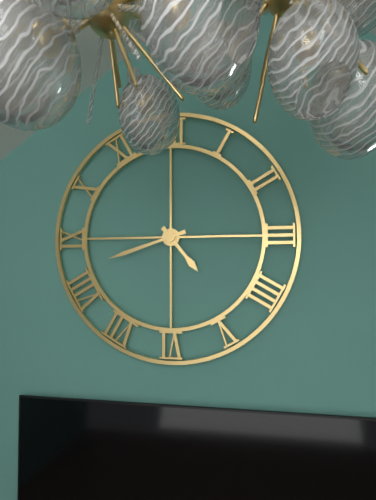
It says 4:42
